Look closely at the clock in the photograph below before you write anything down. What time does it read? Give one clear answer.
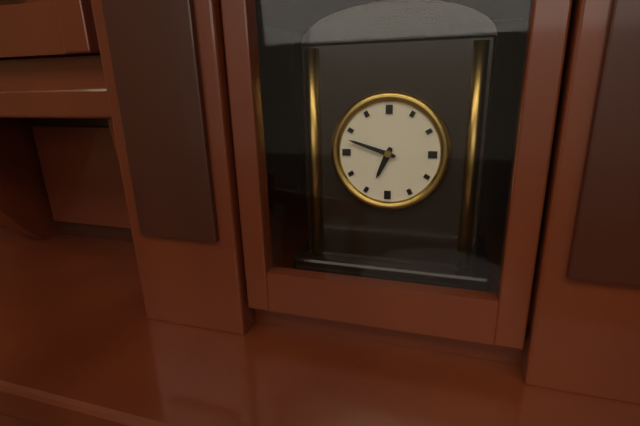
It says 6:48
